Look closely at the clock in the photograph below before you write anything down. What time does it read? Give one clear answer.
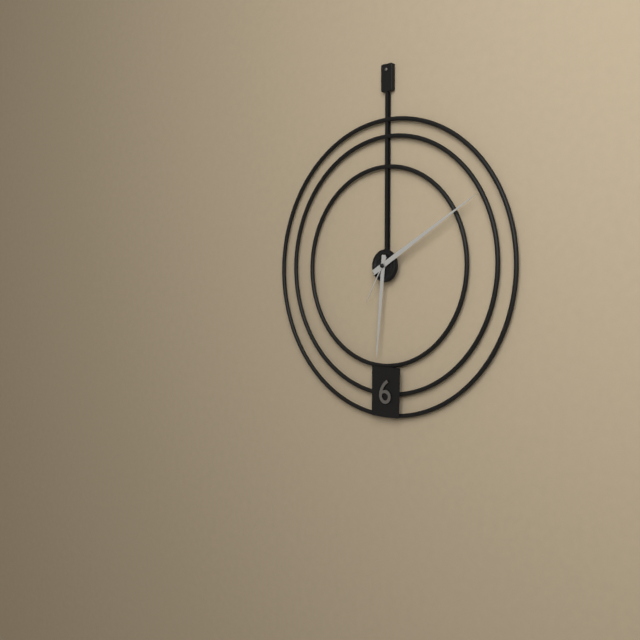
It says 6:10
